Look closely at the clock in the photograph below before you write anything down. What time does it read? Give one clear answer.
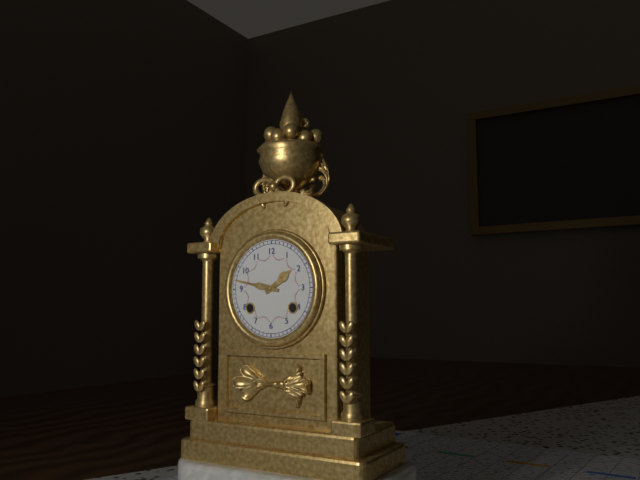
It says 1:47
